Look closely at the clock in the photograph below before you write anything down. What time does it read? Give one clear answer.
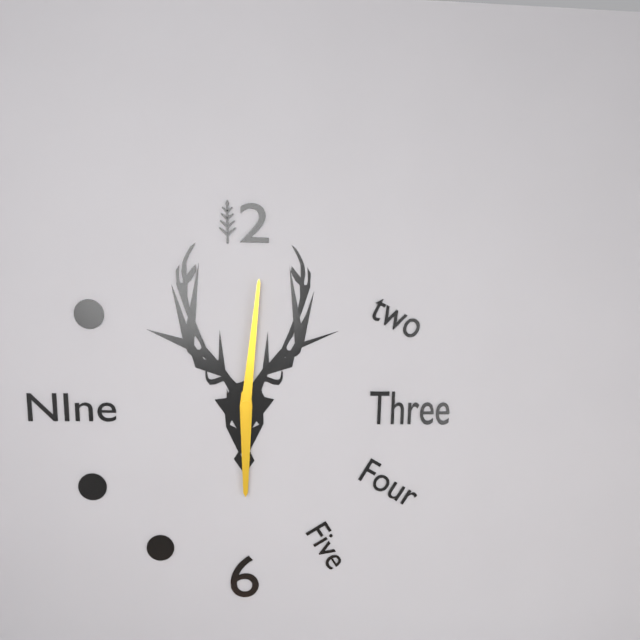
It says 6:01
